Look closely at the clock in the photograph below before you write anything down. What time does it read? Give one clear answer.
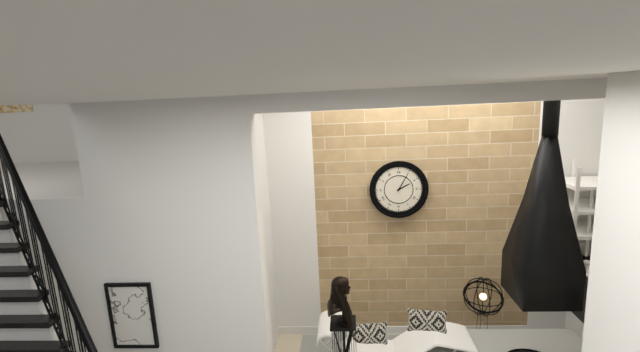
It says 2:05
